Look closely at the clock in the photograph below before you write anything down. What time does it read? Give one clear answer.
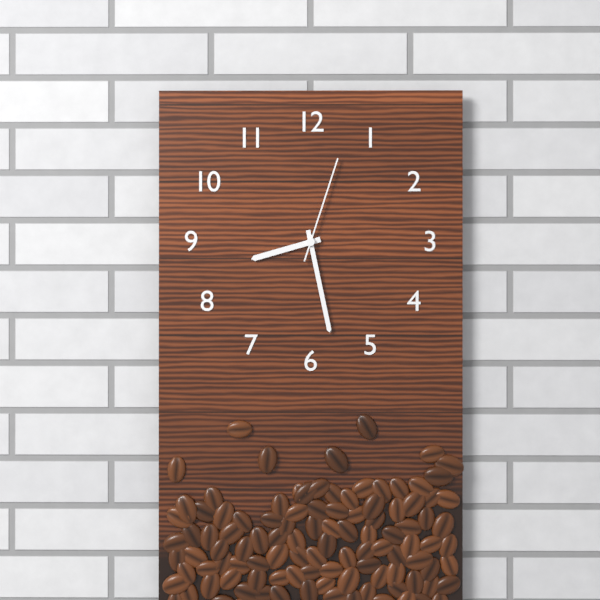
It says 8:28:03
